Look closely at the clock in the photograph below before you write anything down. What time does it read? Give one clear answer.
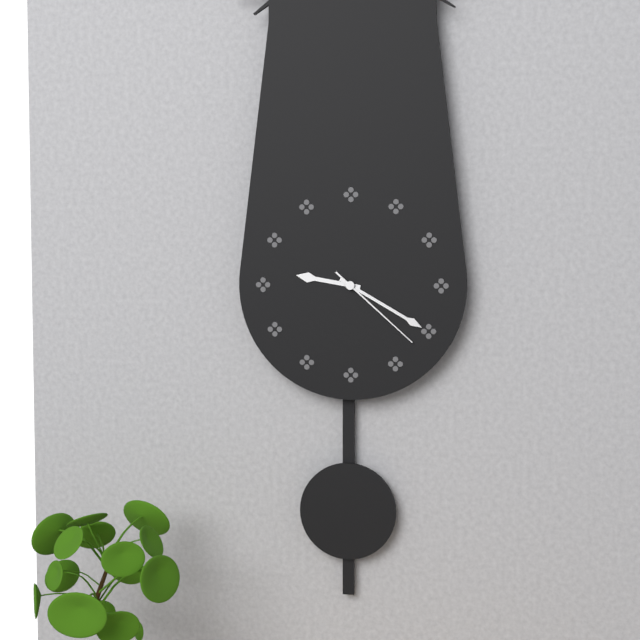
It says 9:20:22
